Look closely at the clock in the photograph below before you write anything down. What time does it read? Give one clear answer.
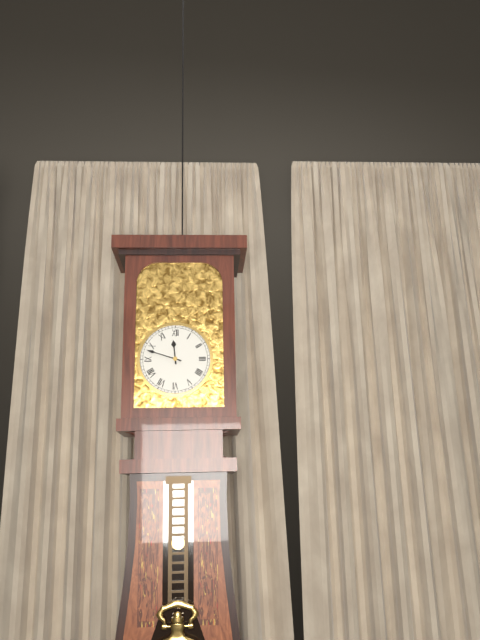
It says 11:48
